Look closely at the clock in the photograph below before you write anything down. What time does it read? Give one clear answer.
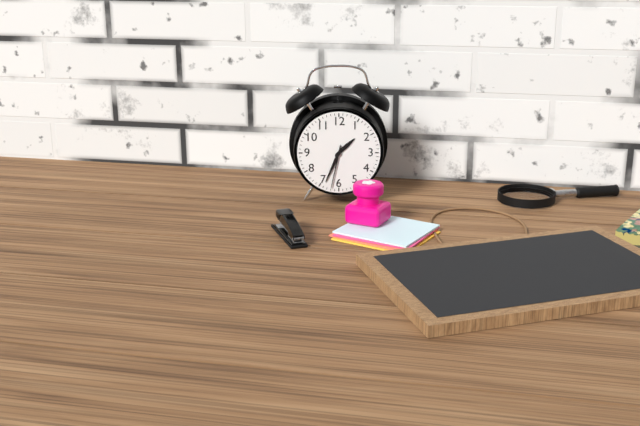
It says 1:34
